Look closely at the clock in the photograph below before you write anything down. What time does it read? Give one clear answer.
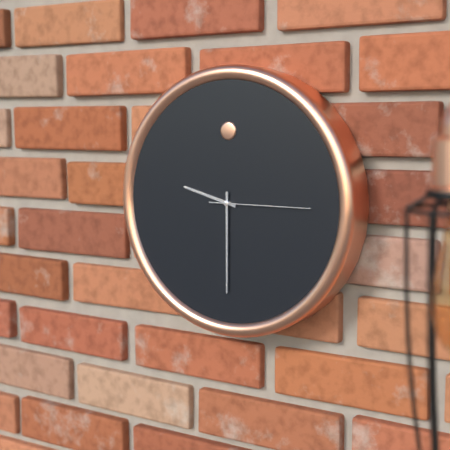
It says 9:30:15
